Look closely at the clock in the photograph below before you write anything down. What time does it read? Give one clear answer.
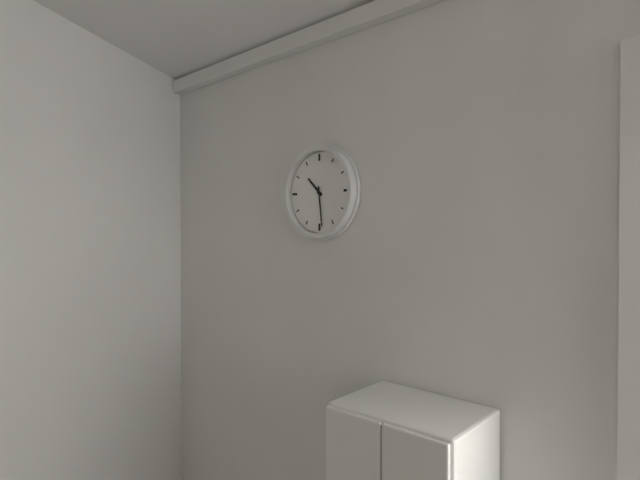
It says 10:29
